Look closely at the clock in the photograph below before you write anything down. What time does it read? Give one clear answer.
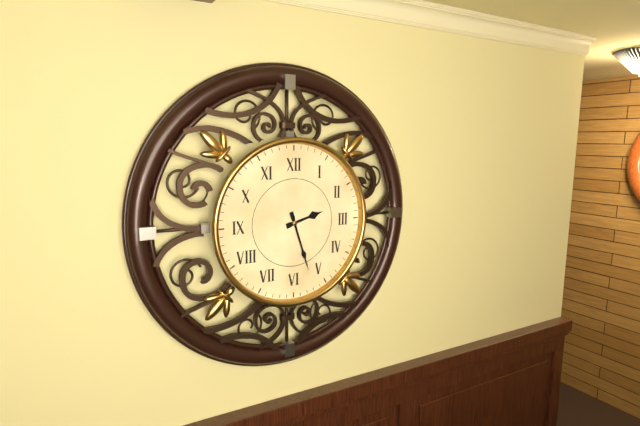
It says 2:27
